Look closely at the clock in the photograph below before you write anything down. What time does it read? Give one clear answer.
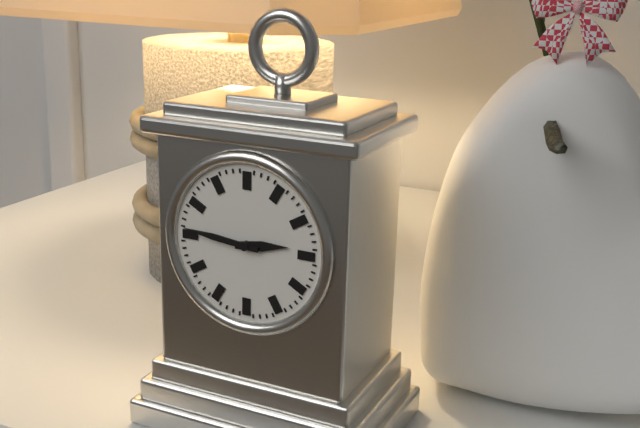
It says 2:46
